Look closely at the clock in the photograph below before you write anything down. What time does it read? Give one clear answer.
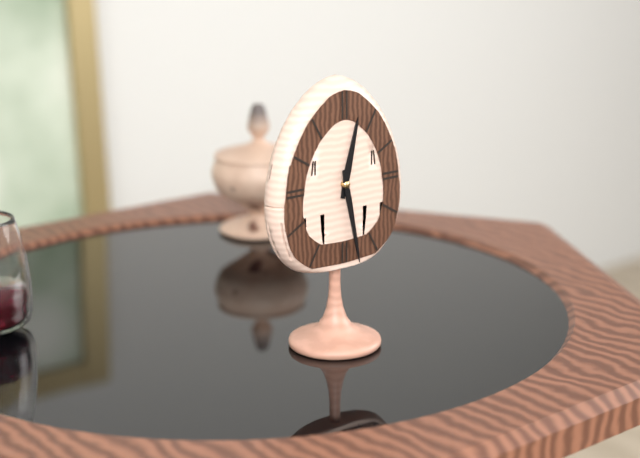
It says 12:28
